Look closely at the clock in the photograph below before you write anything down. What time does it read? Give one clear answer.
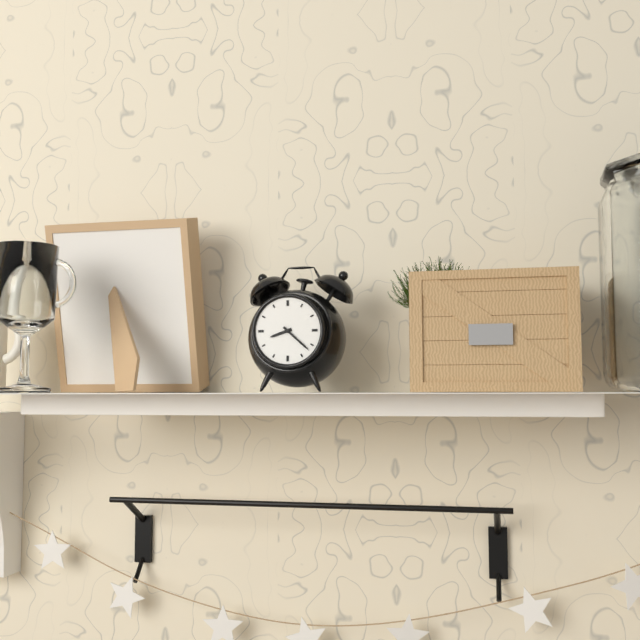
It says 8:22
